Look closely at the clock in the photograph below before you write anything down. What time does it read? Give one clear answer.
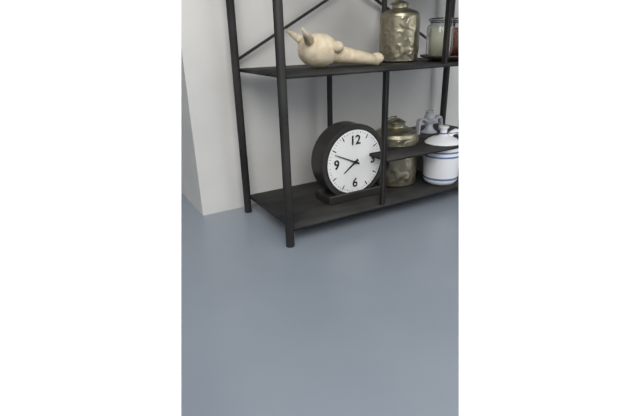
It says 7:49
